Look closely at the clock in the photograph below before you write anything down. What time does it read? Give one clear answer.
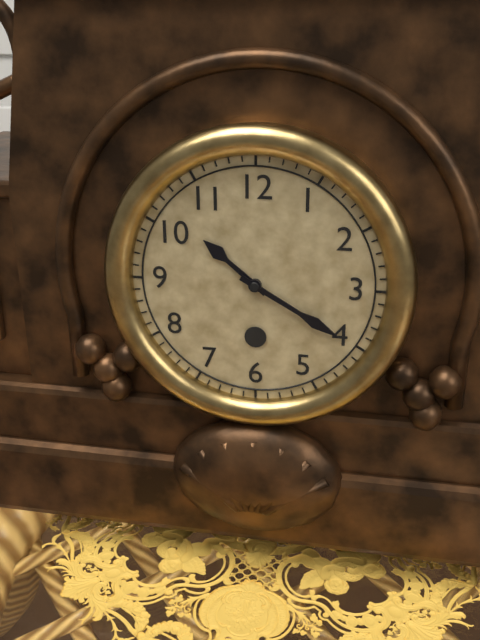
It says 10:20
